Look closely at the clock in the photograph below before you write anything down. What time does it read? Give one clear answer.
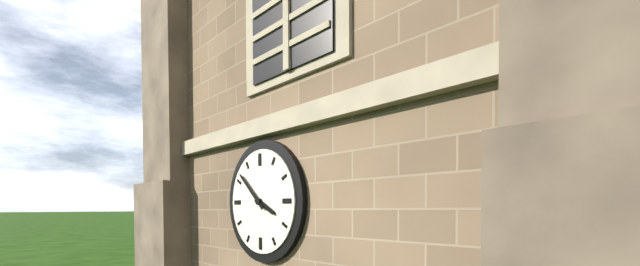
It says 3:52
